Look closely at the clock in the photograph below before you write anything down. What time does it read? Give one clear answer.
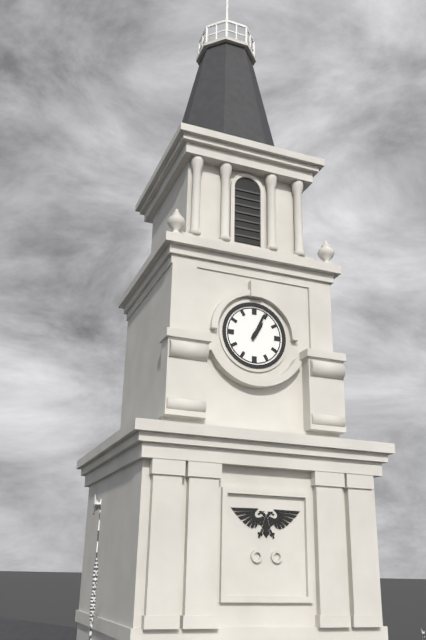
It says 1:04
